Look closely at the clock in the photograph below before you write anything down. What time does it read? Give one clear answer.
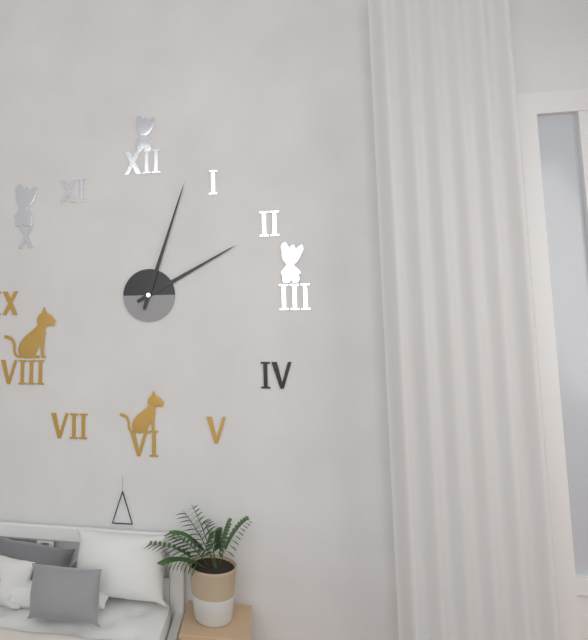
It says 2:03
